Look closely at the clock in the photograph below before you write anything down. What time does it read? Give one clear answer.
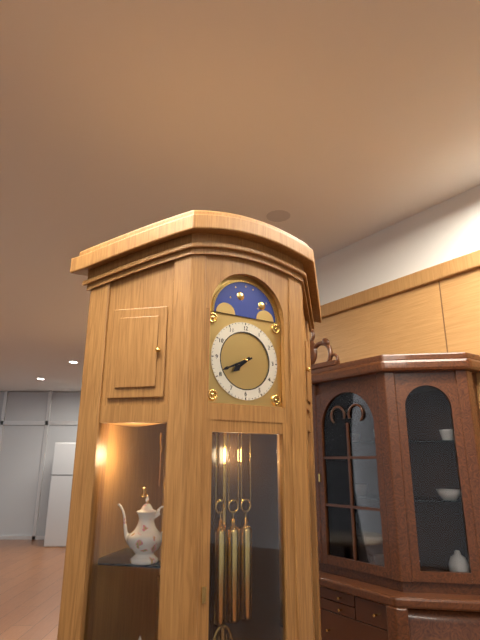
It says 7:41
